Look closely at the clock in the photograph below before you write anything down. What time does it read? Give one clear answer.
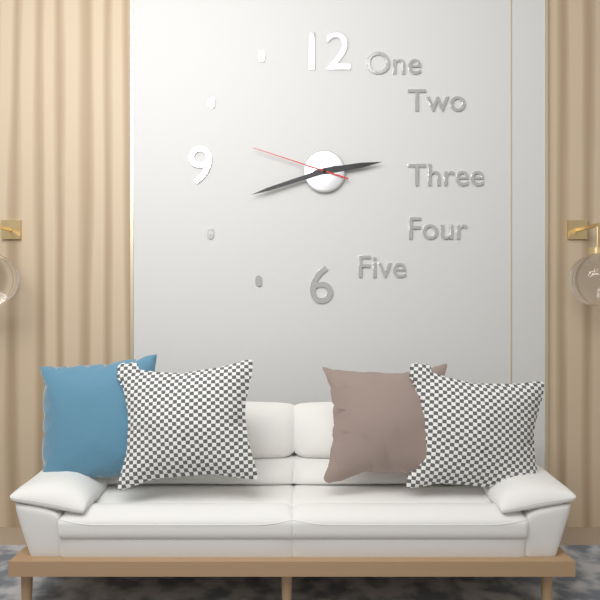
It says 2:42:48
